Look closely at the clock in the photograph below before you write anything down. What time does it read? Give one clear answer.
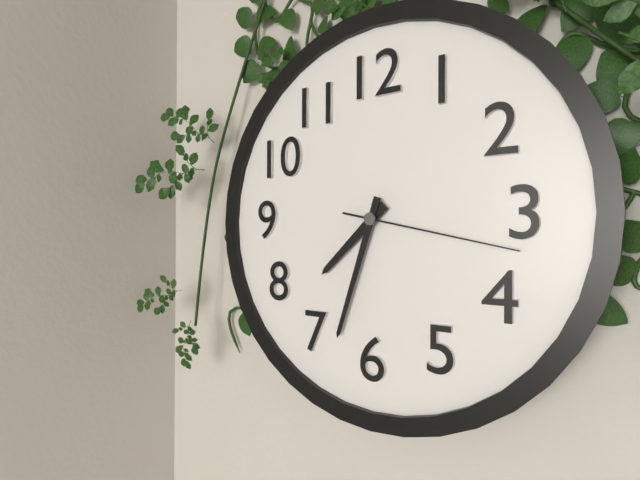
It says 7:33:17
